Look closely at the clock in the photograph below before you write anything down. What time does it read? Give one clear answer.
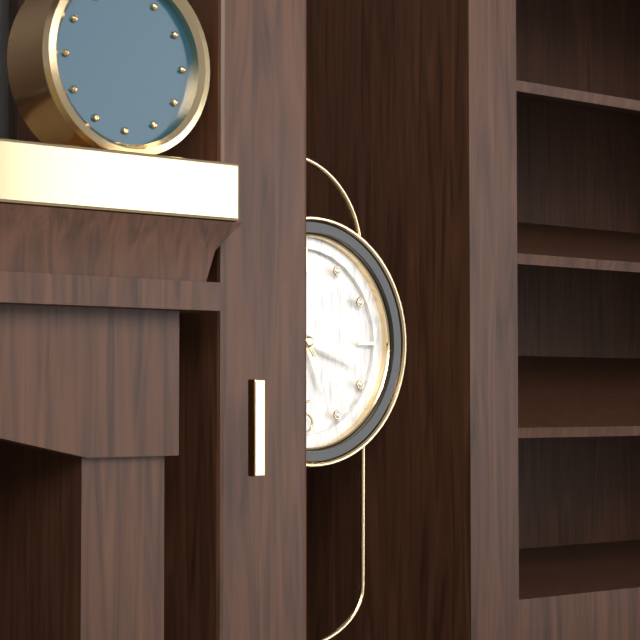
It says 5:18:24
